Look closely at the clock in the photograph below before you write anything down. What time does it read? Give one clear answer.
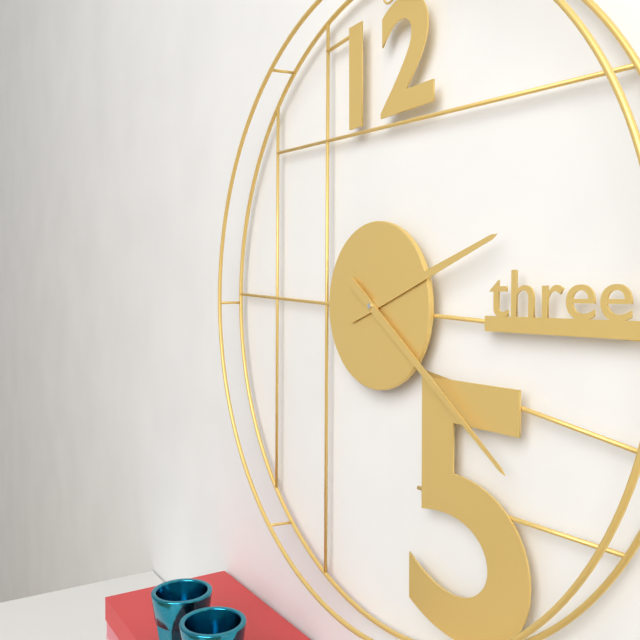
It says 2:21
